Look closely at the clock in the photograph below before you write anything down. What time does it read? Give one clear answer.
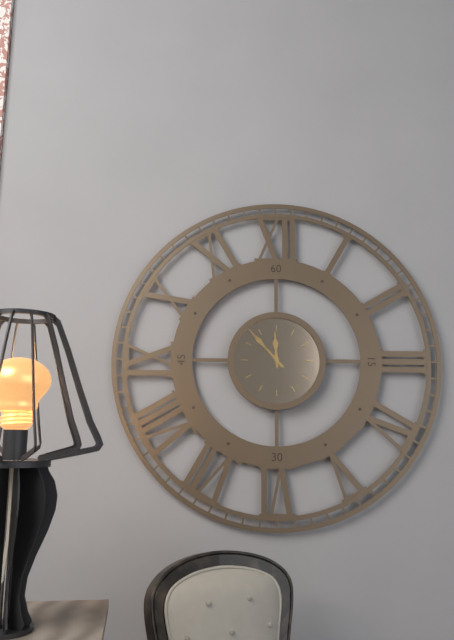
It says 11:53
